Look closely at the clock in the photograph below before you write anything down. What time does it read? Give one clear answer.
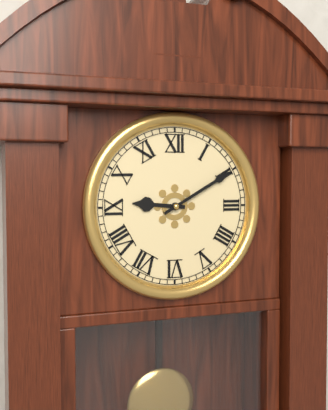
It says 9:10
